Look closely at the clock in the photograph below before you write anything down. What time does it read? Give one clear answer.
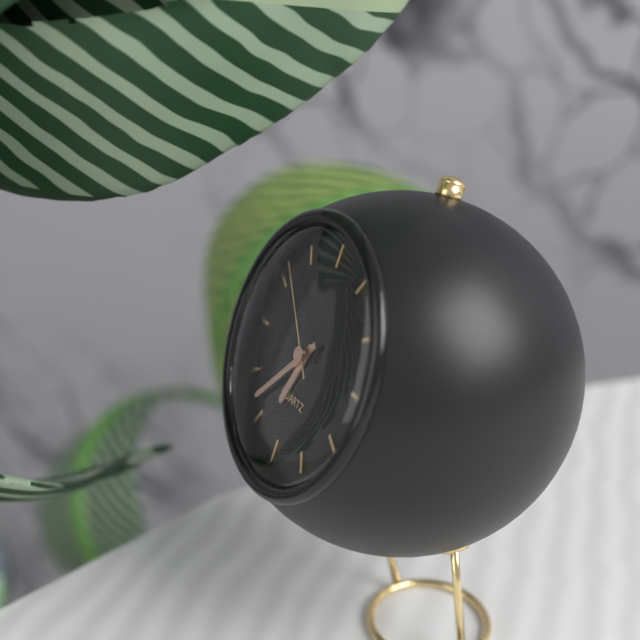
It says 6:37:52
